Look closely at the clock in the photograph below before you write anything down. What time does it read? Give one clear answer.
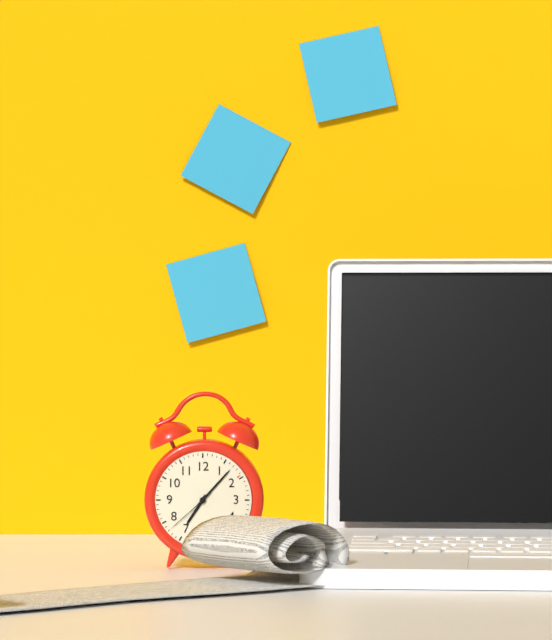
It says 7:07:38
